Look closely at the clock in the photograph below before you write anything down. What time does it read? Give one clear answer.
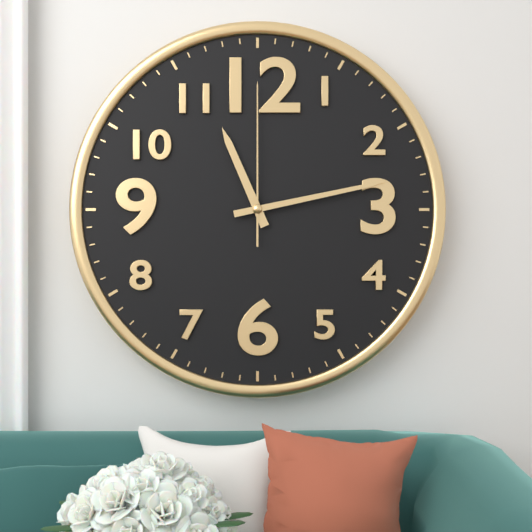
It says 11:13:00
